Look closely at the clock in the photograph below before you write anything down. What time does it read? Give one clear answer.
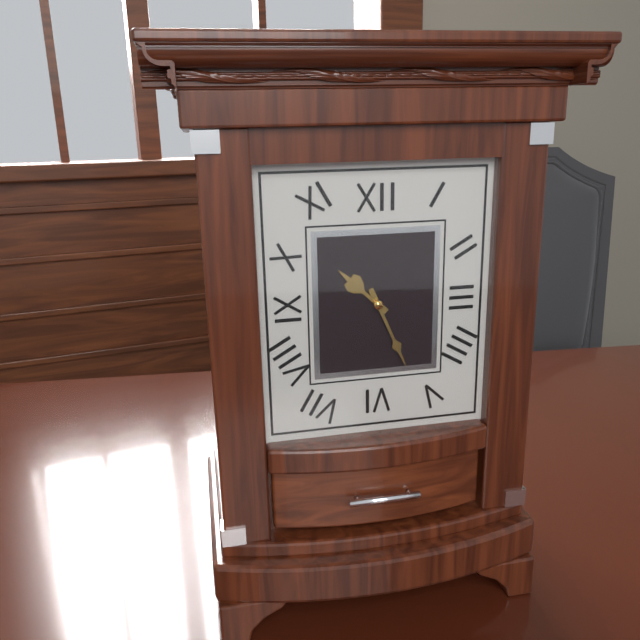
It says 10:26
